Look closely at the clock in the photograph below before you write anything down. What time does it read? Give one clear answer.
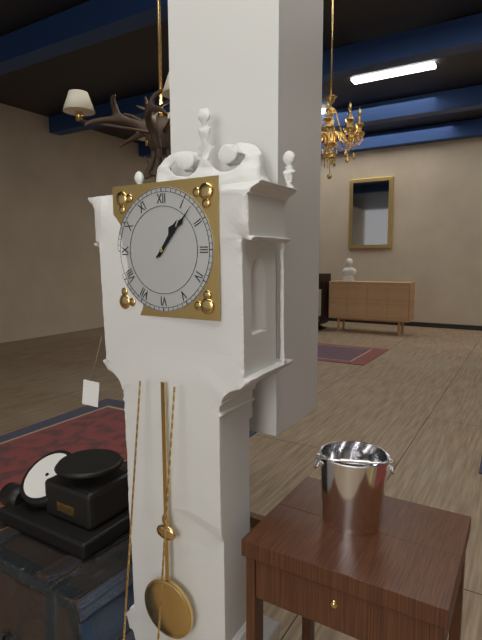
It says 1:07
